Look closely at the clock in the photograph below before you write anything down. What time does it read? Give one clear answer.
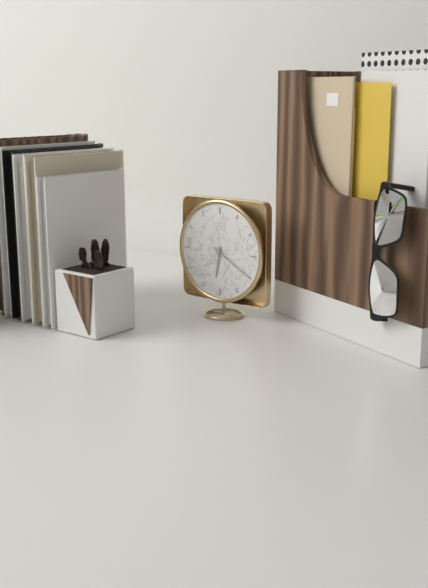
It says 6:20
